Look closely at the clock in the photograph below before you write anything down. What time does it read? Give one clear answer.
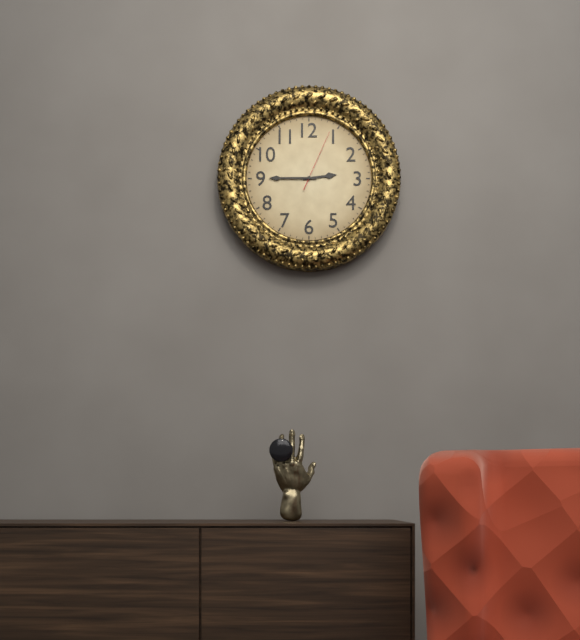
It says 2:45:04
